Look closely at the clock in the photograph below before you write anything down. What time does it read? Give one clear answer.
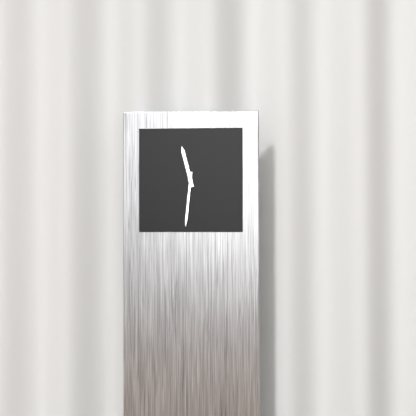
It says 11:31
